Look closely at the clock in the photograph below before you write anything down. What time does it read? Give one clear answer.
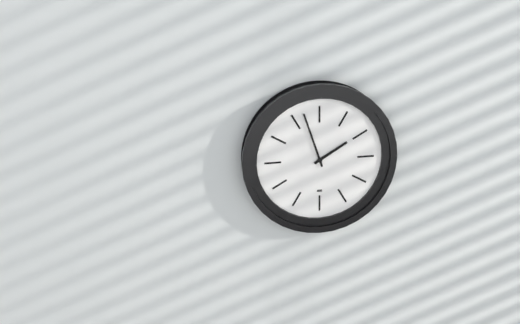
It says 1:57
